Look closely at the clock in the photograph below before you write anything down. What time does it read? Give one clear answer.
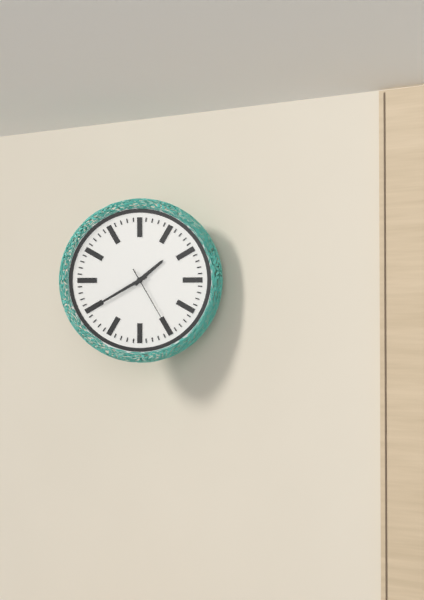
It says 1:40:25
